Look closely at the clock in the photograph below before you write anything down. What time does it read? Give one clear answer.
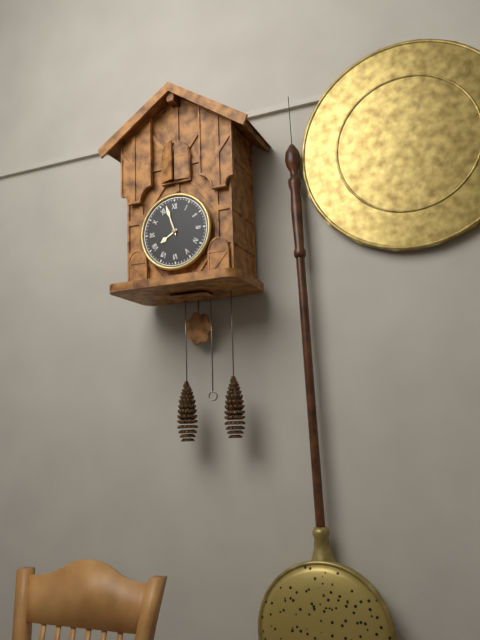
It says 7:57
